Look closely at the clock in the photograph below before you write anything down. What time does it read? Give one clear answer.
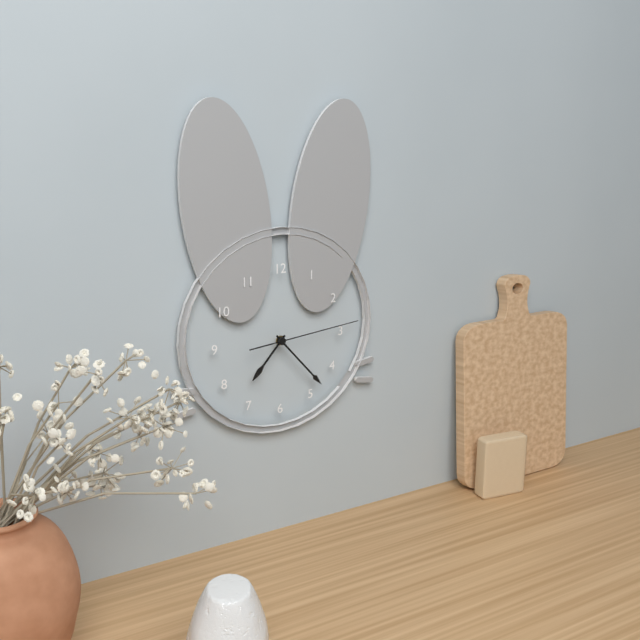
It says 7:23:14
